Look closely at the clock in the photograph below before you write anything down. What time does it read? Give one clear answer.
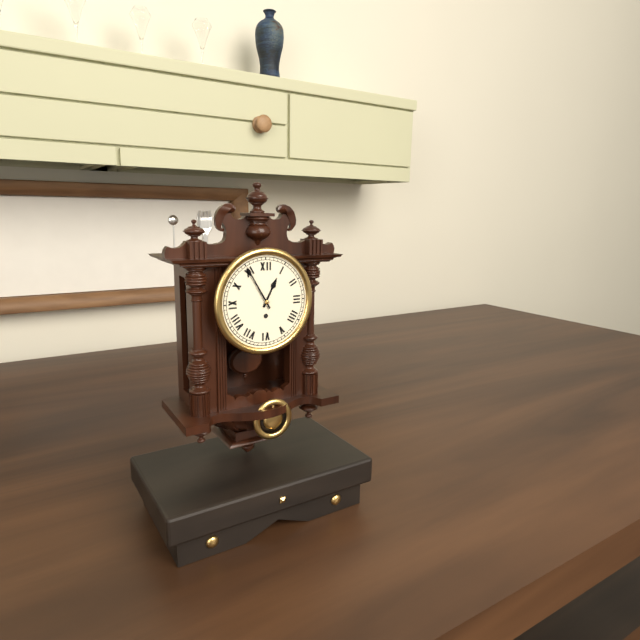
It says 12:55
